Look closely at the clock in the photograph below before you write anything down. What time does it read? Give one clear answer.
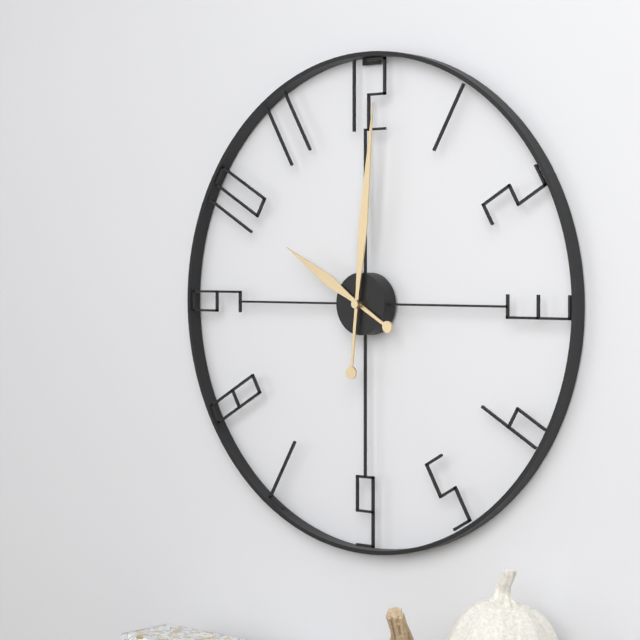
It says 10:01
